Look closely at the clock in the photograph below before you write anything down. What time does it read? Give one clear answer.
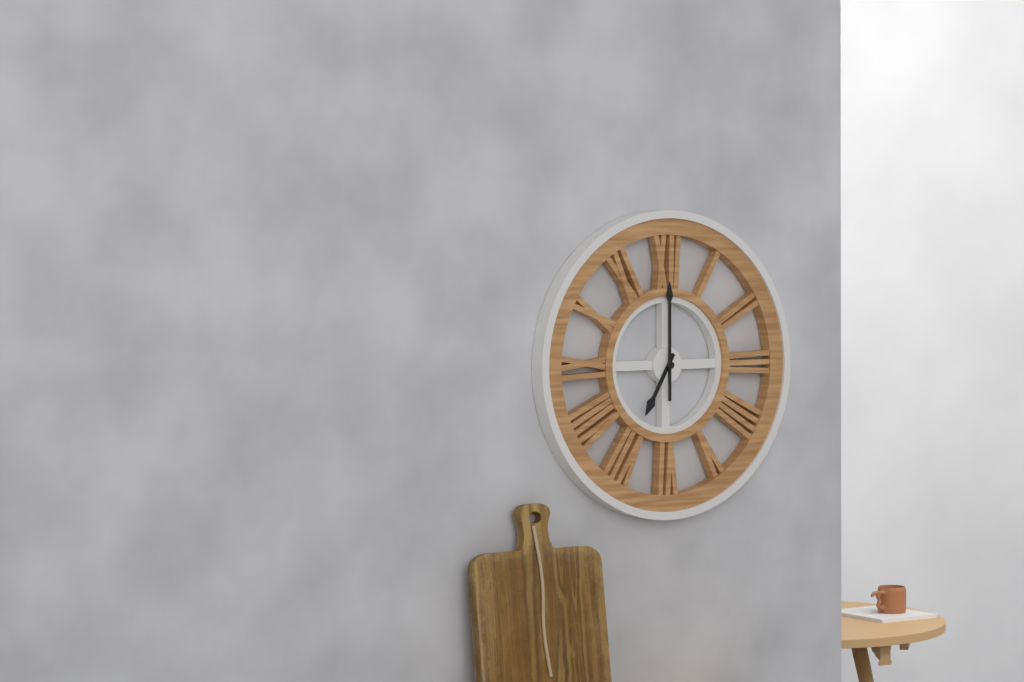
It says 7:00
